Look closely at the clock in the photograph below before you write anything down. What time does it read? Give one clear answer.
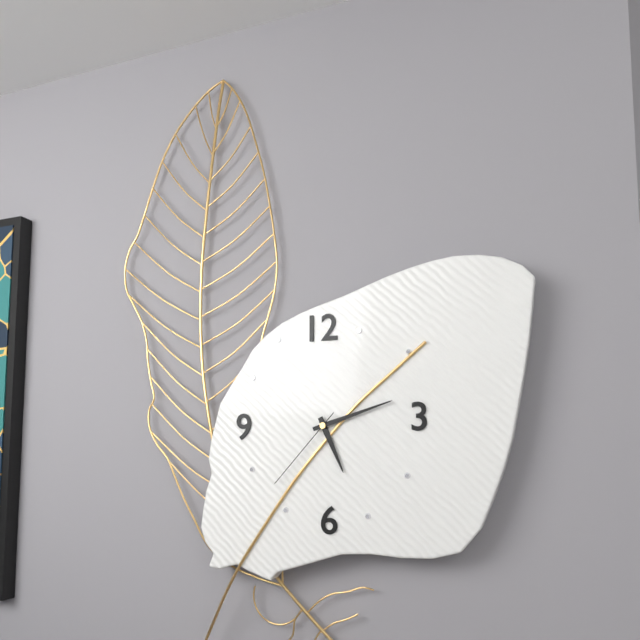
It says 5:12:37
